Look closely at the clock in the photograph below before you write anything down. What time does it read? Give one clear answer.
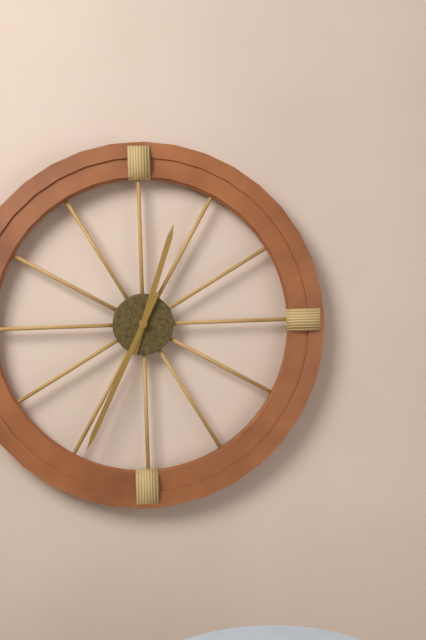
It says 12:34
